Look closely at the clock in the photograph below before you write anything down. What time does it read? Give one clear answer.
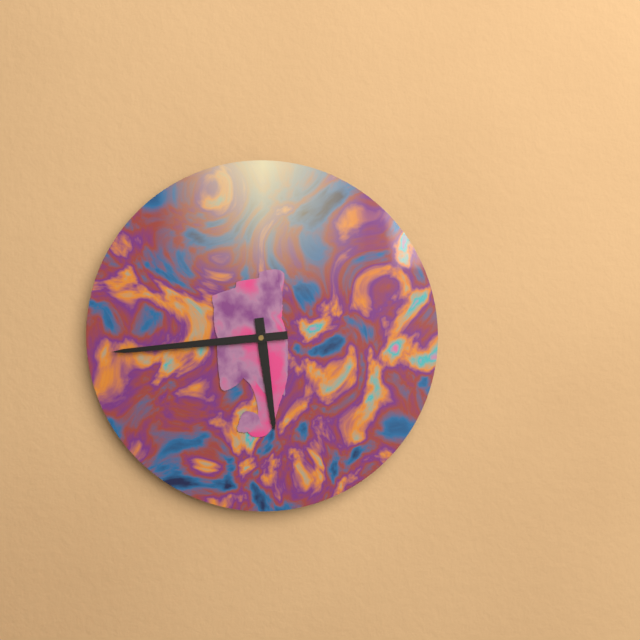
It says 5:44
